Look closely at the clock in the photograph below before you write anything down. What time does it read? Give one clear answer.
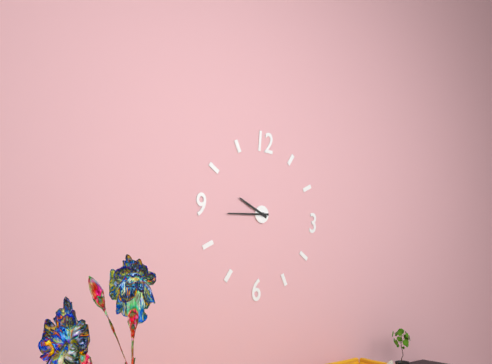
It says 9:44
